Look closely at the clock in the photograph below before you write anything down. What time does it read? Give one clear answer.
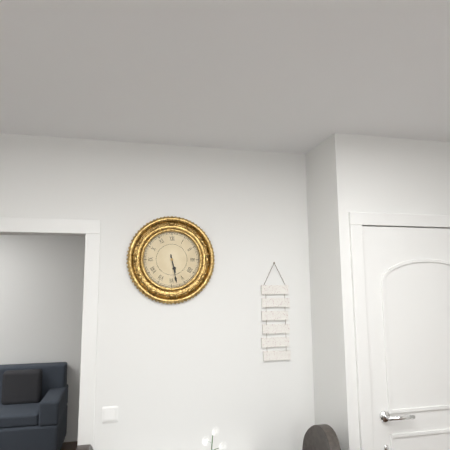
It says 5:28
